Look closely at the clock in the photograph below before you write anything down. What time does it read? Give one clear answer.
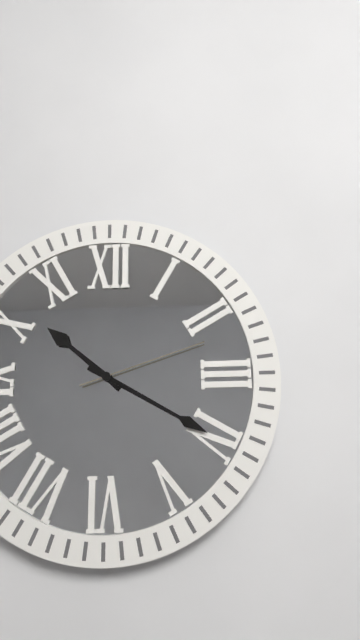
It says 10:20:12
